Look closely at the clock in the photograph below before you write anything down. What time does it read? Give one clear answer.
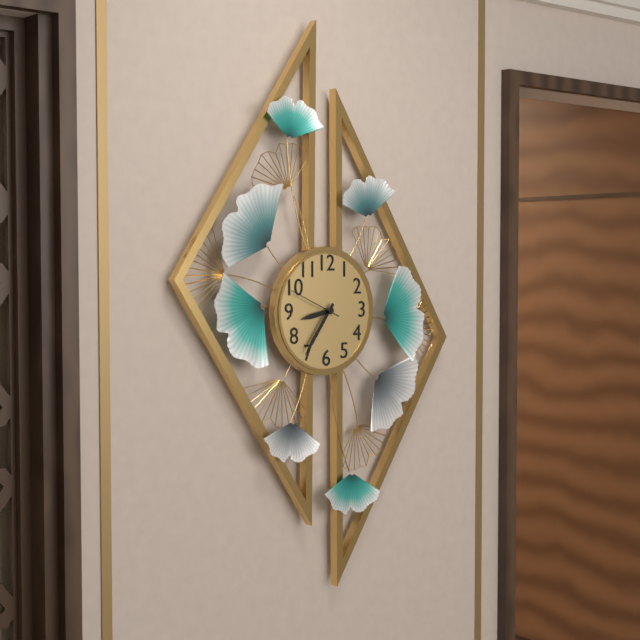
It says 8:36:49
